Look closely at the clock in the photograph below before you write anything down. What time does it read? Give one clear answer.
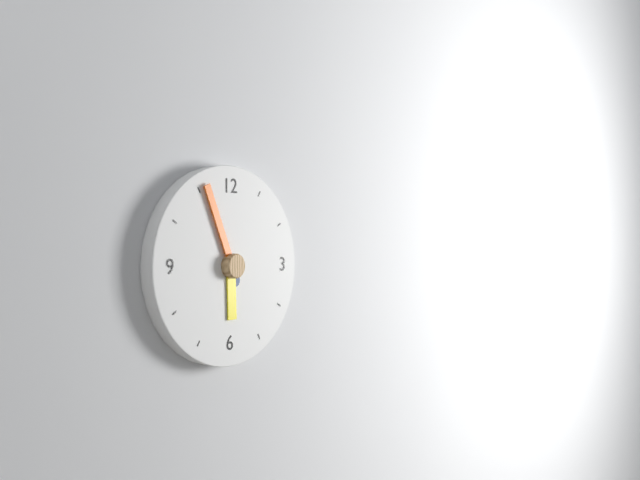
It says 5:56
